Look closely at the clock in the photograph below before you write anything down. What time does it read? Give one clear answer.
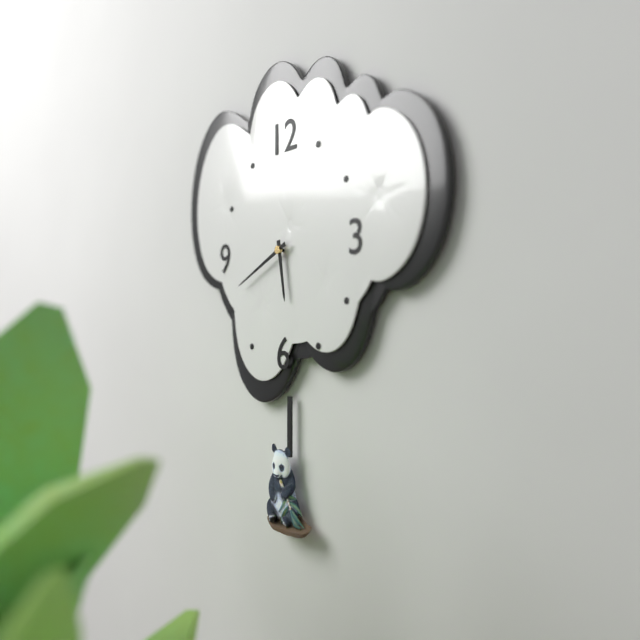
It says 5:41
